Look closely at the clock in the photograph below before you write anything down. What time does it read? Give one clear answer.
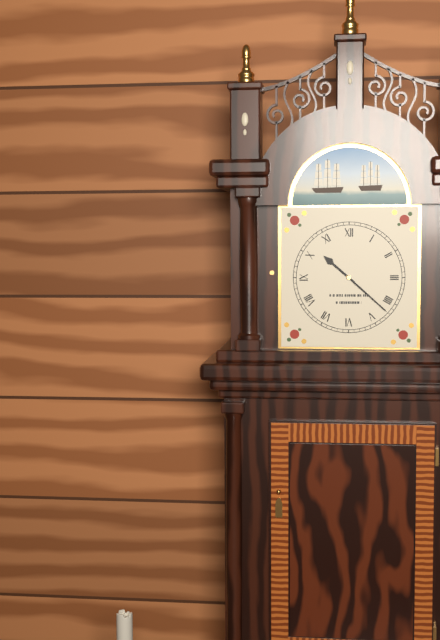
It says 10:22
